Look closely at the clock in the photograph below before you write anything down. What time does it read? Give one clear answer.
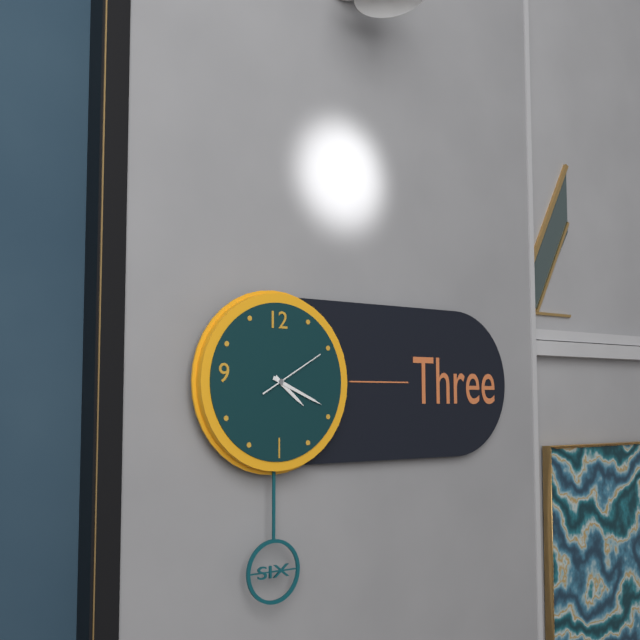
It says 4:19:10
